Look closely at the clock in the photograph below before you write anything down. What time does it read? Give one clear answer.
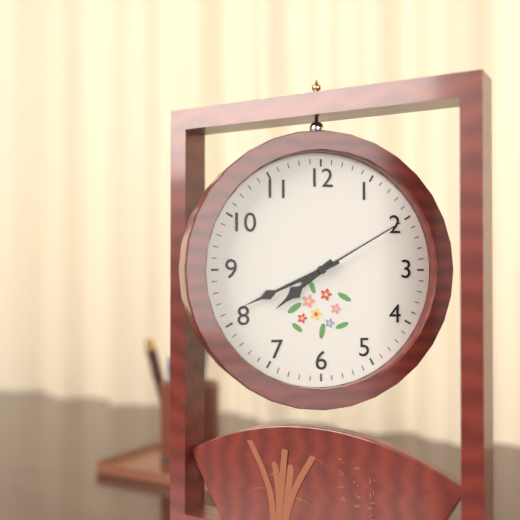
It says 7:41:10
